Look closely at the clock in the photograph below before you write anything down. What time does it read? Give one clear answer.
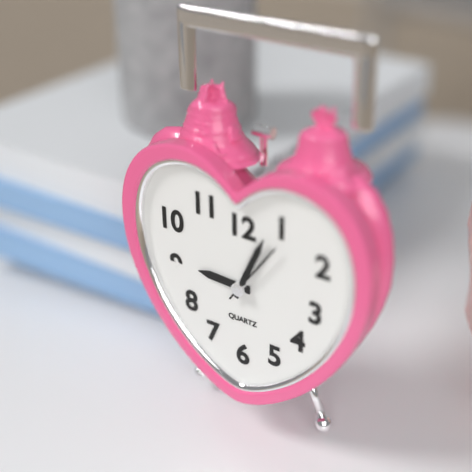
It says 9:04
